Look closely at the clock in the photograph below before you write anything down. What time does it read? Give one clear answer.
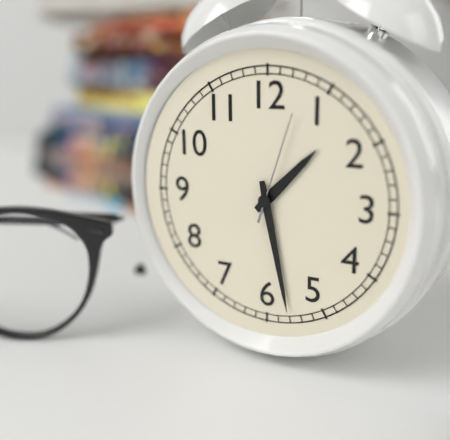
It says 1:28:03
